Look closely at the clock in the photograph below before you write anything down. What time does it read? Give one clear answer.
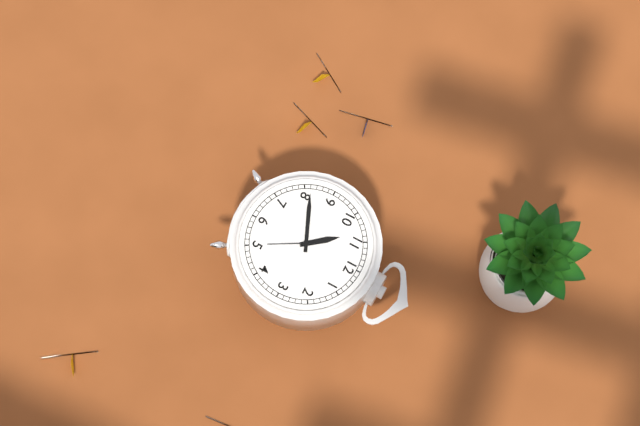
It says 10:41
